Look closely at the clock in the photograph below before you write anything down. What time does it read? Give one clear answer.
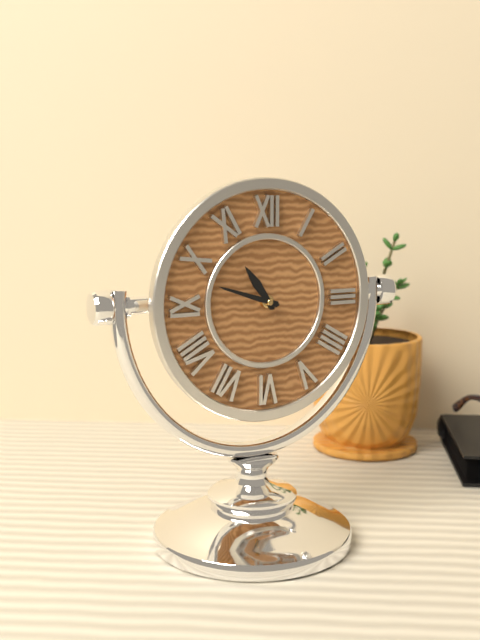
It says 10:48
